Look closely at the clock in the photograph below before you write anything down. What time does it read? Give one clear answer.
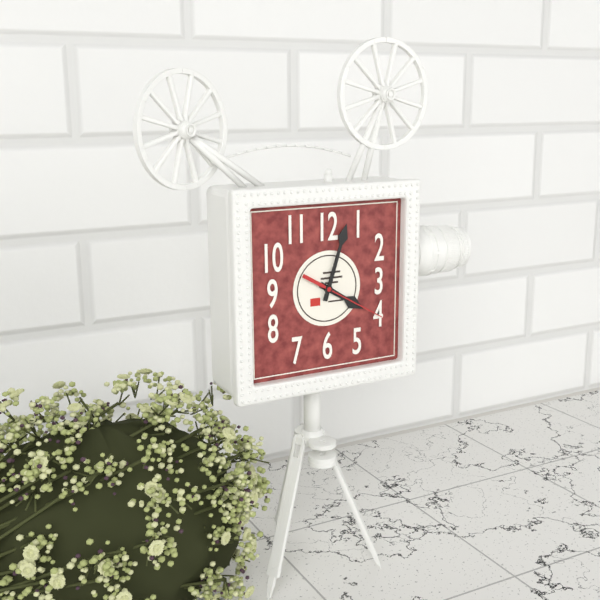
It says 4:03:20
